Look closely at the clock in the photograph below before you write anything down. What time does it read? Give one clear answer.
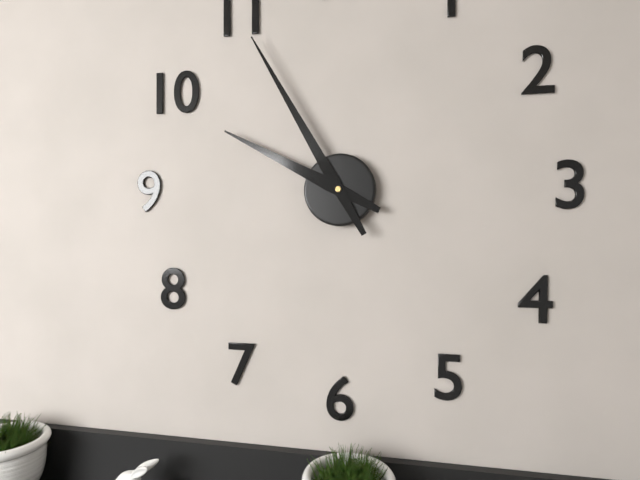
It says 9:55
